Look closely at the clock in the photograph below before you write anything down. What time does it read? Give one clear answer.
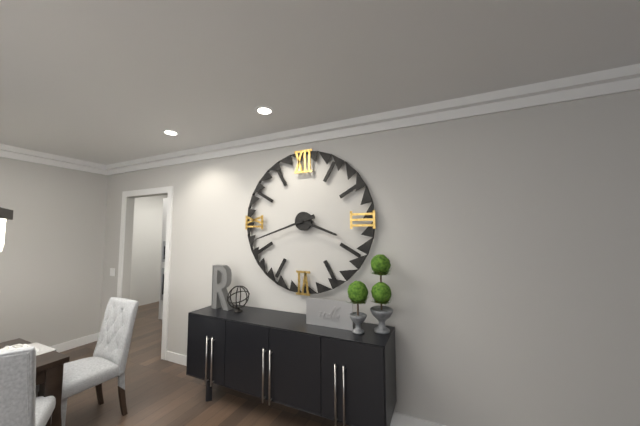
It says 3:42
